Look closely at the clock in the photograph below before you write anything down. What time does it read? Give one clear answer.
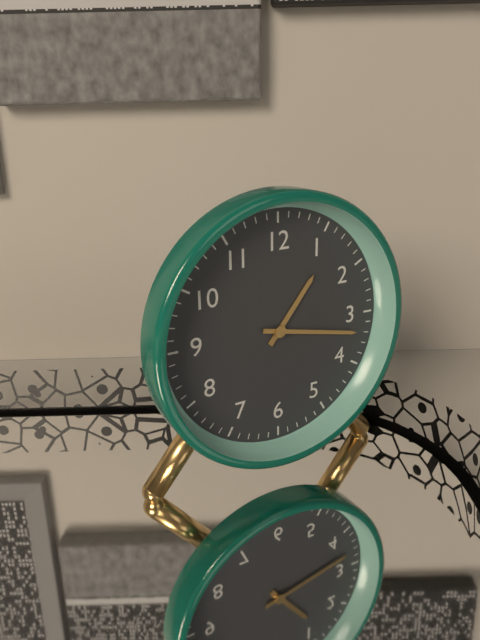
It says 1:17
